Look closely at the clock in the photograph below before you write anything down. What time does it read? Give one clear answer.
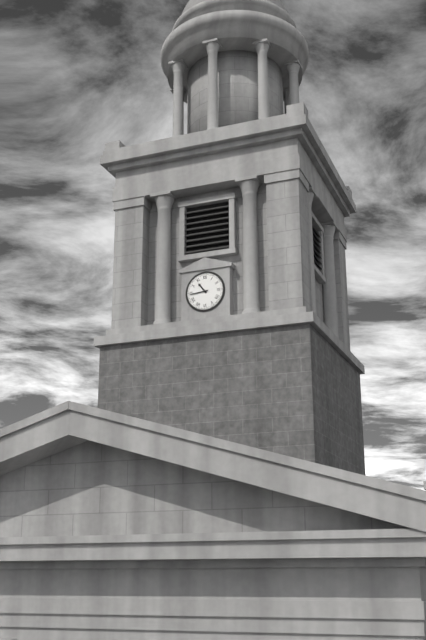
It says 10:44
